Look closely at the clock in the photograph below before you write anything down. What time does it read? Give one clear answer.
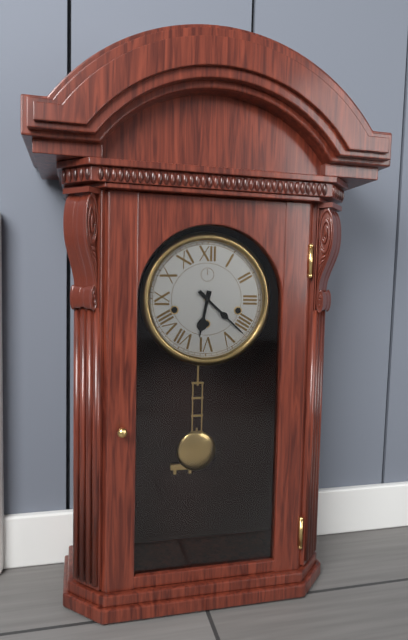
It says 6:22
